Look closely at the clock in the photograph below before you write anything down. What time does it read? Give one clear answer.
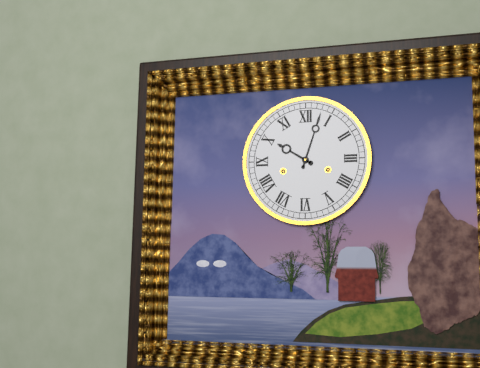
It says 10:03
